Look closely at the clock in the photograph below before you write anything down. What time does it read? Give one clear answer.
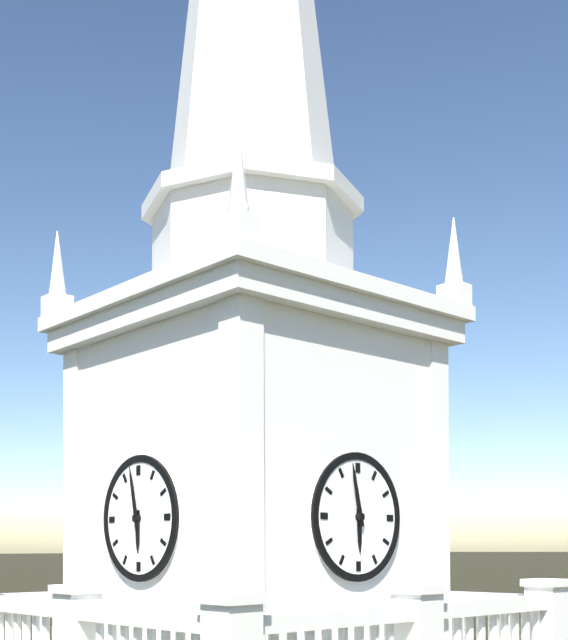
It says 5:58
